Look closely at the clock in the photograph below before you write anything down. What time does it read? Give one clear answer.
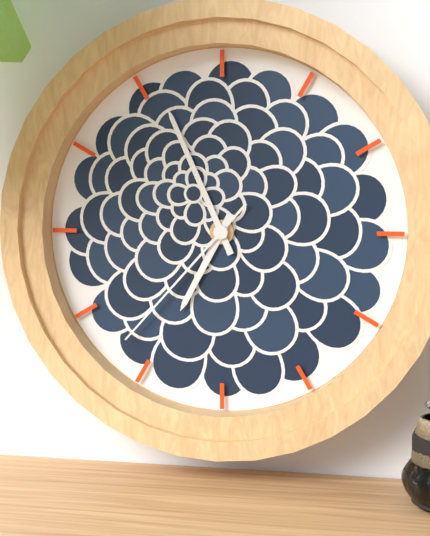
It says 6:56:37
